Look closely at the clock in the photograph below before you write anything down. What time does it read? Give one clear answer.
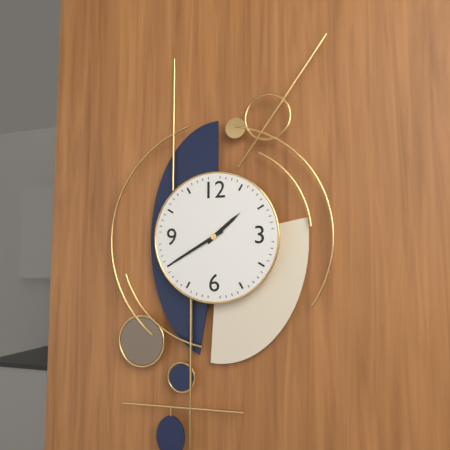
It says 1:40
